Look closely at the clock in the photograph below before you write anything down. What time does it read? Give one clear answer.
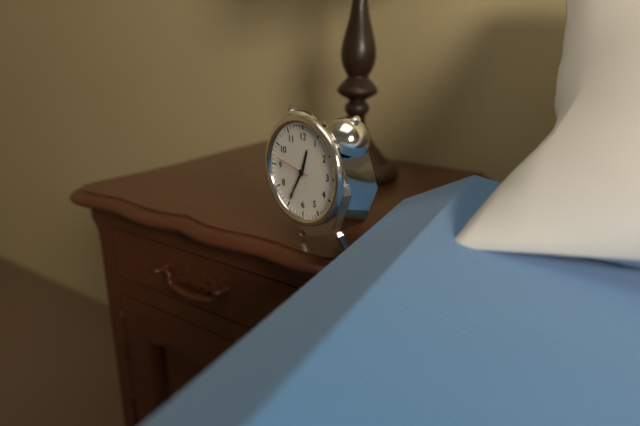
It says 12:35
